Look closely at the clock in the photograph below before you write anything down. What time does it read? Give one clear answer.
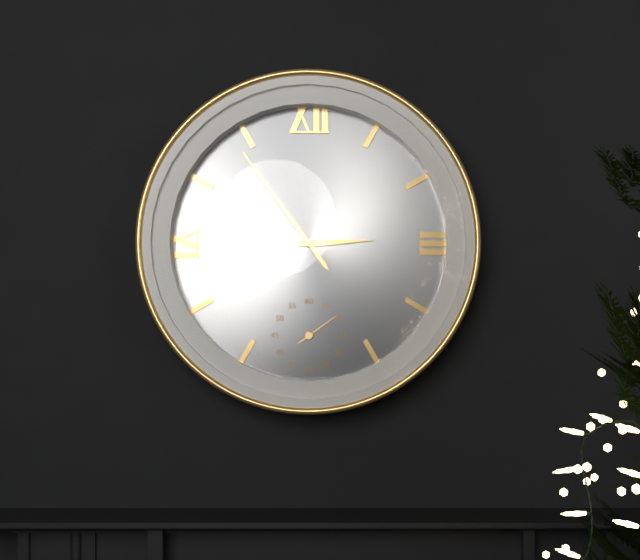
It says 2:54
